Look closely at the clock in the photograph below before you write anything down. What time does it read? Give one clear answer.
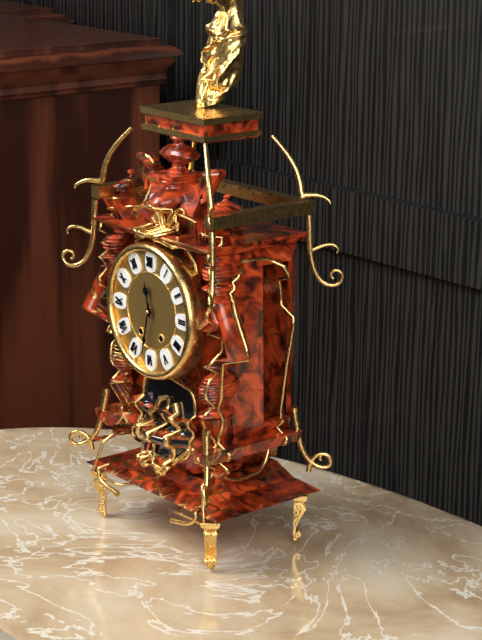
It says 11:32
